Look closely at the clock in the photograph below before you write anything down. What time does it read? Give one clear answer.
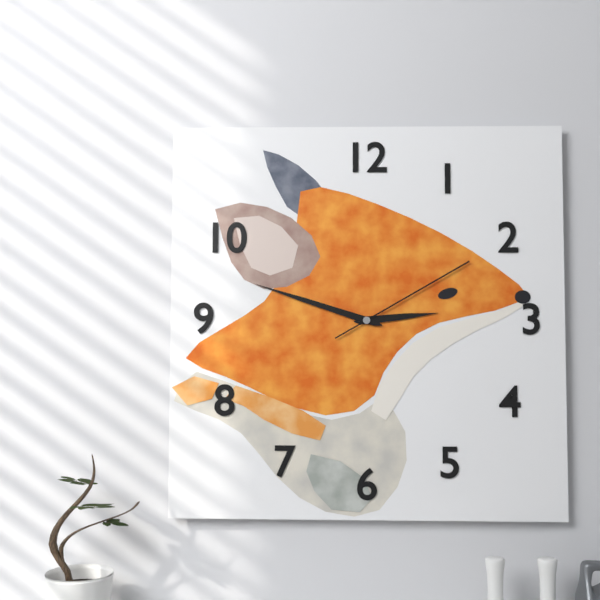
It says 2:48:10
